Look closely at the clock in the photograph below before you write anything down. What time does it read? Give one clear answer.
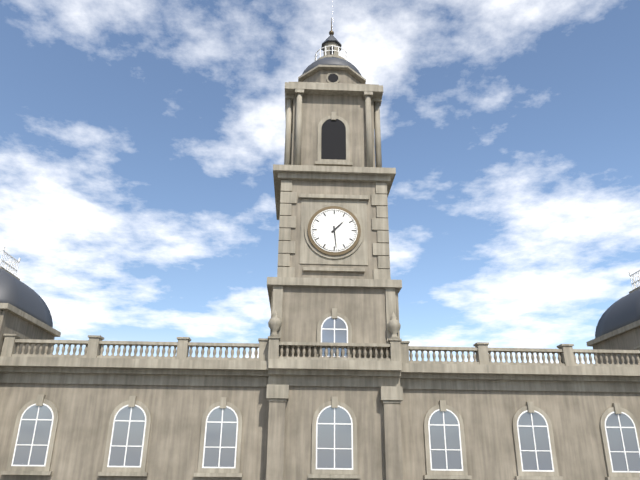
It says 1:29
